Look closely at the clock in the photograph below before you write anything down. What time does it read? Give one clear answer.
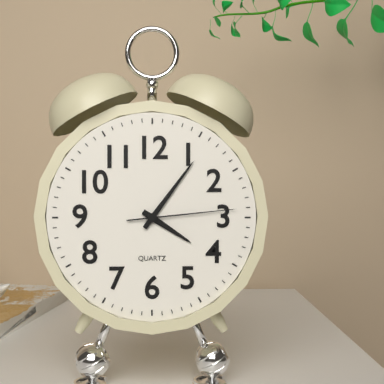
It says 4:06:14
